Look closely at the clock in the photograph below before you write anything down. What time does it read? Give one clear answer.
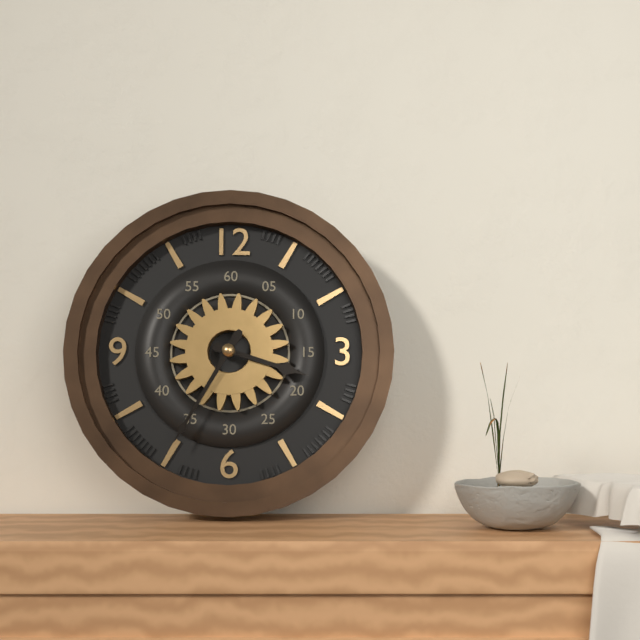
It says 3:35
